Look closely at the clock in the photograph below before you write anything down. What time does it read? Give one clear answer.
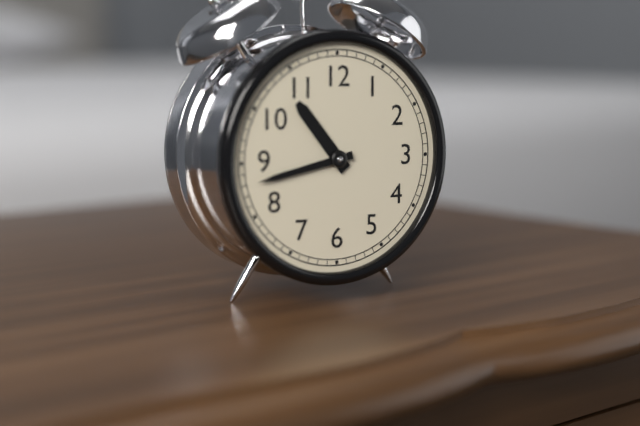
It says 10:43
